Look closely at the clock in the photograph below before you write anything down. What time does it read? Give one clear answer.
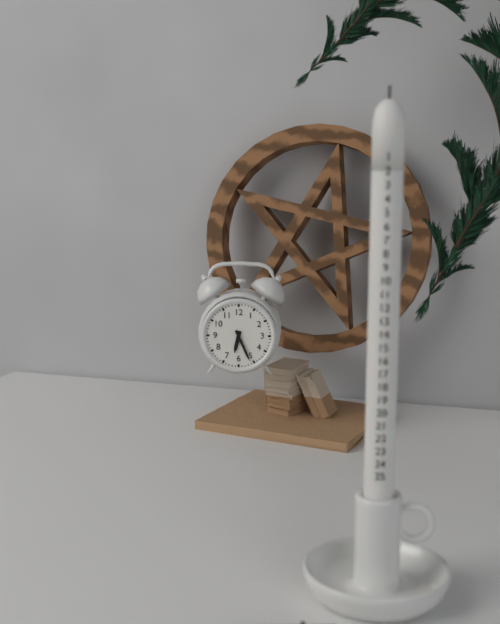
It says 6:26
